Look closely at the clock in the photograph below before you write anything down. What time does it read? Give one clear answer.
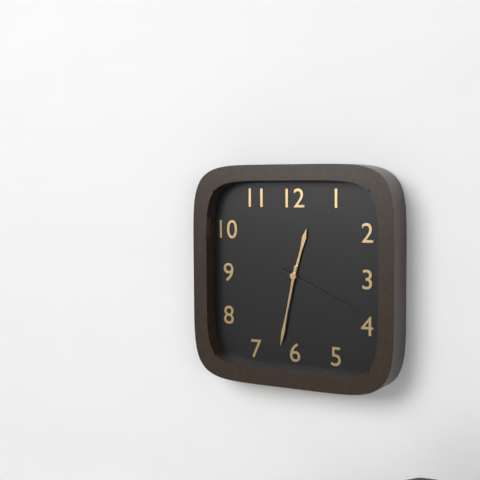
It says 12:32:19
